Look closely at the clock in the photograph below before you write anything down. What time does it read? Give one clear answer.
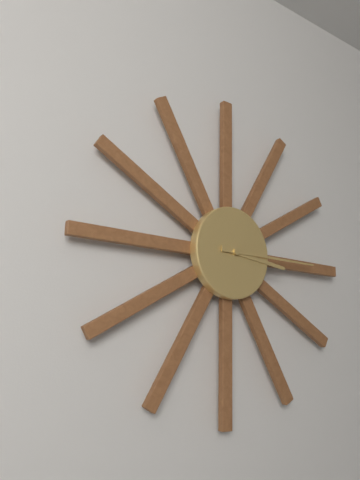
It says 3:15
